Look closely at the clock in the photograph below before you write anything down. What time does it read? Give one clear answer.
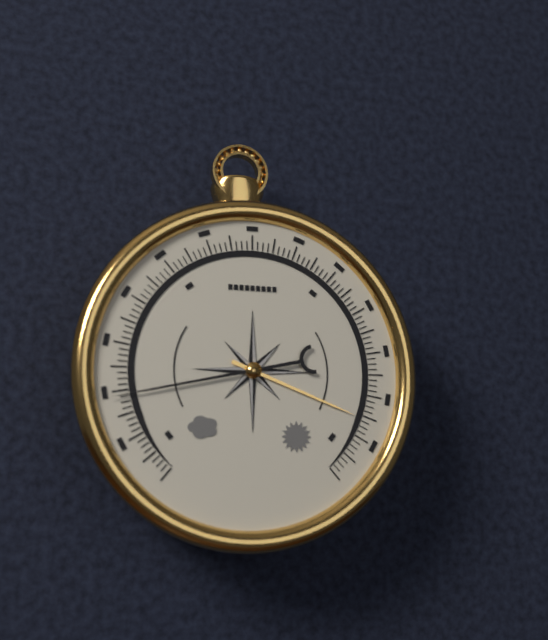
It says 3:43
